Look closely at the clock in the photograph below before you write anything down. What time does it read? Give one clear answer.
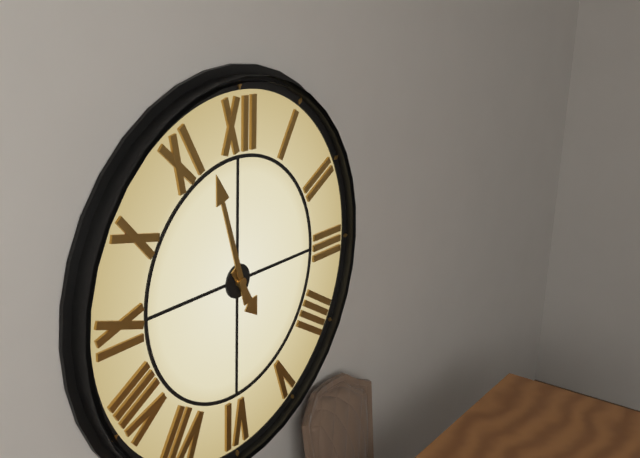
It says 4:57
